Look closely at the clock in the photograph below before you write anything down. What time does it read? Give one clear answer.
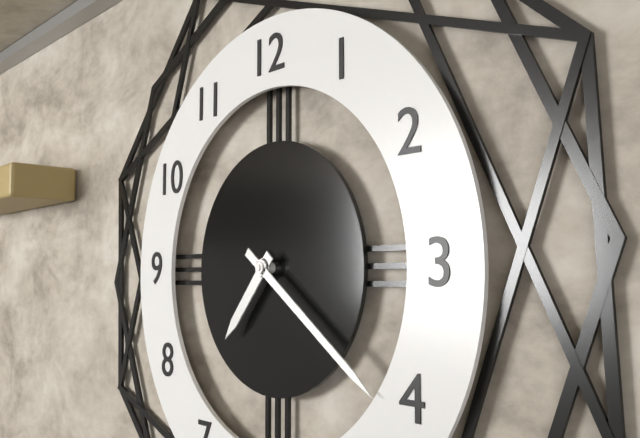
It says 7:21
